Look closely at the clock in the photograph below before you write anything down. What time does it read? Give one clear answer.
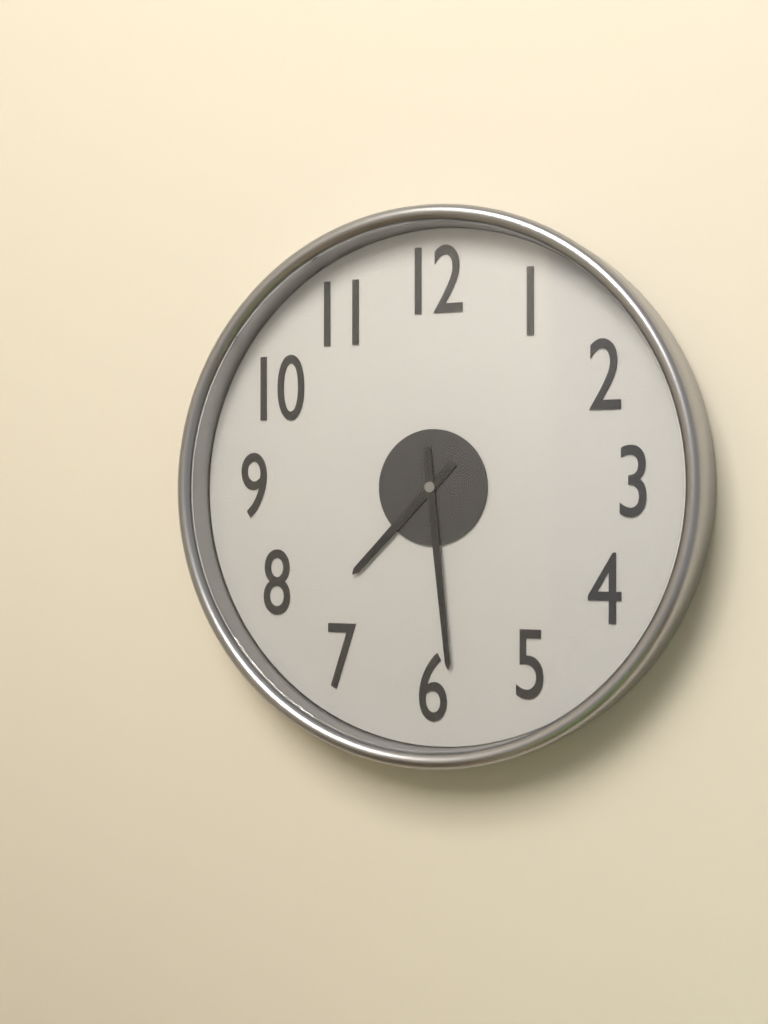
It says 7:29
